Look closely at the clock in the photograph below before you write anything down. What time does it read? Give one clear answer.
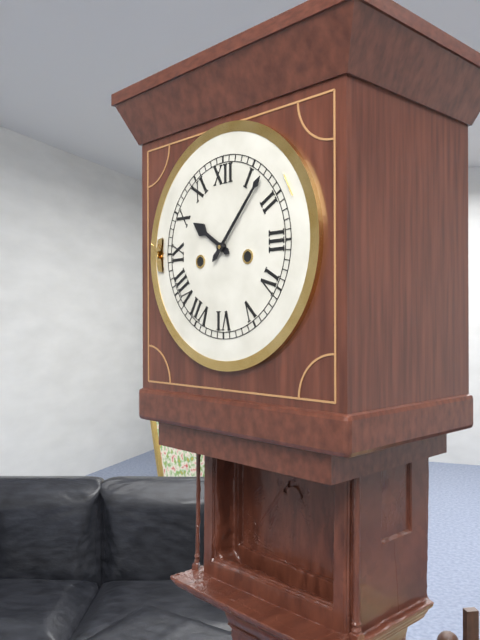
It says 10:07
